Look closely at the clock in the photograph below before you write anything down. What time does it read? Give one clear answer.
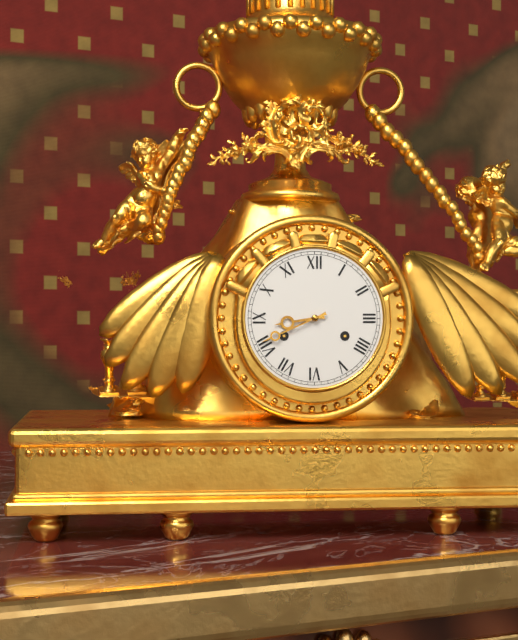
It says 8:41
